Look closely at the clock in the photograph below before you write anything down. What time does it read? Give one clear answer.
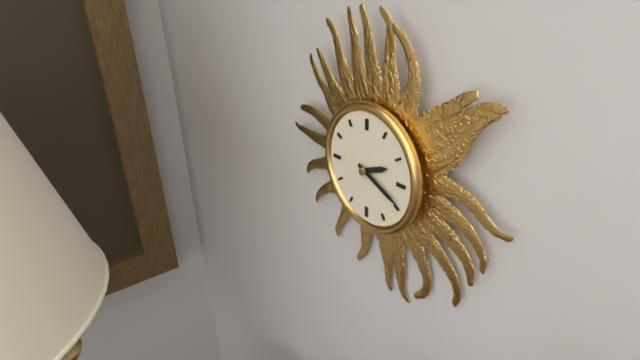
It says 2:19
